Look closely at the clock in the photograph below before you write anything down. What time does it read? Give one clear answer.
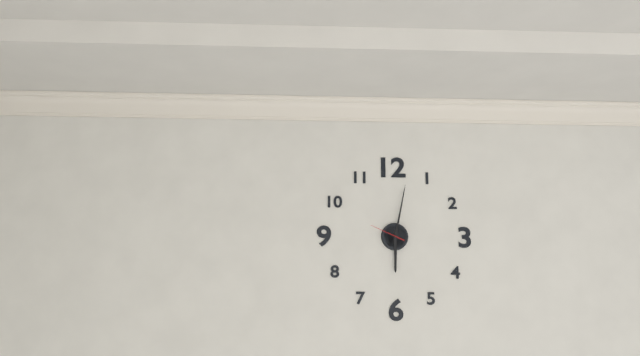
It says 6:02
